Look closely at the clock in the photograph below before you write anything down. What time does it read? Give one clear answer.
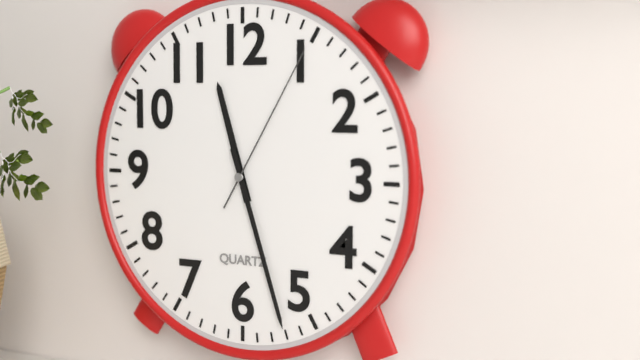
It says 11:27:05
